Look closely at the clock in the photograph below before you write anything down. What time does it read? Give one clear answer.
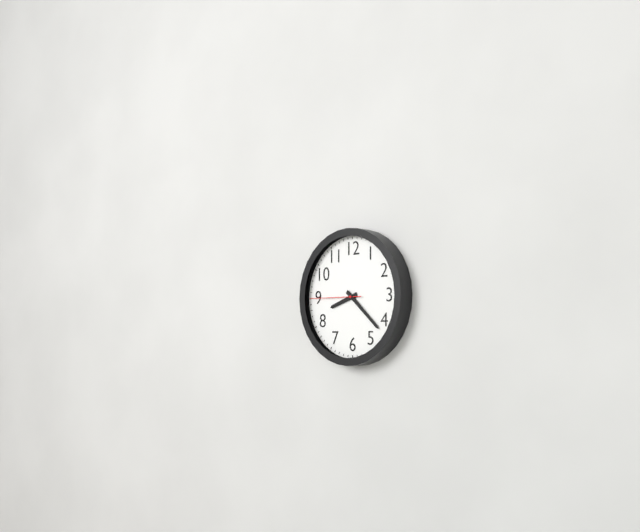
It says 8:22:45
